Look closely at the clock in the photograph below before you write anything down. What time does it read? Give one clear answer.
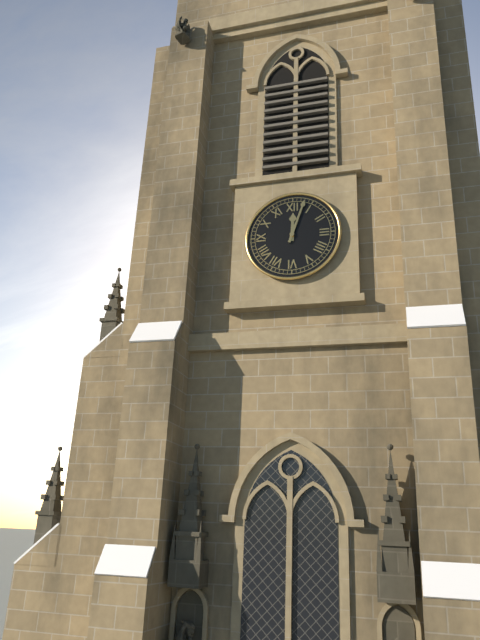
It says 12:03
